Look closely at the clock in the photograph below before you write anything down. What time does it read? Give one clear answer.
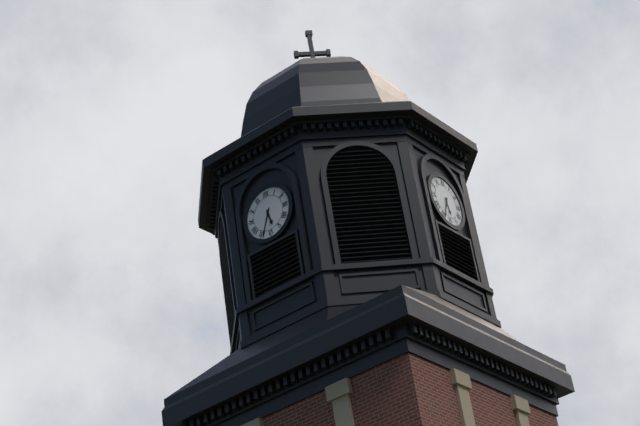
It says 5:34
